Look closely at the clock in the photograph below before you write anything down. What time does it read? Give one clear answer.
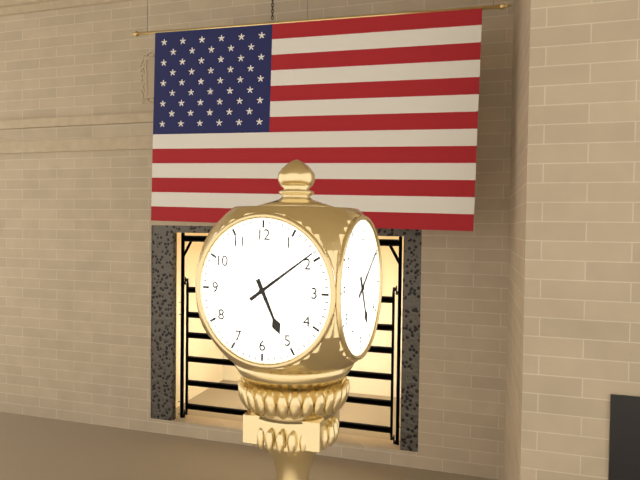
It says 5:09
